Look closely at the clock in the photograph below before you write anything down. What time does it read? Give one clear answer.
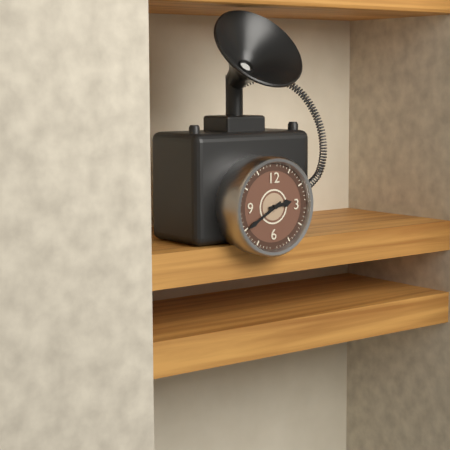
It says 2:40
